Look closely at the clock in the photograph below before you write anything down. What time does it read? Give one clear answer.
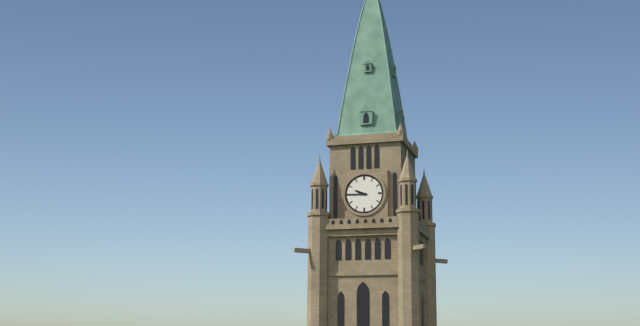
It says 9:45
